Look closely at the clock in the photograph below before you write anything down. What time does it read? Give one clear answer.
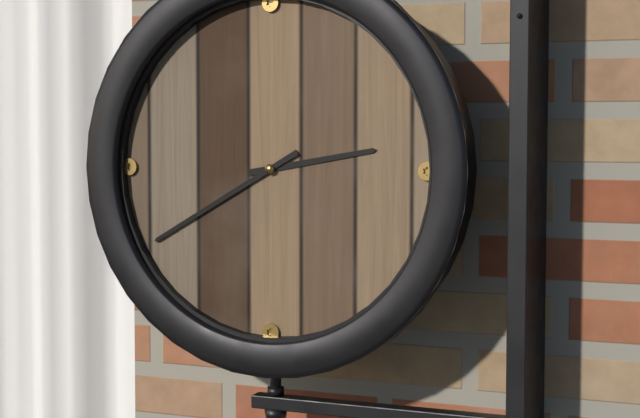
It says 2:40
